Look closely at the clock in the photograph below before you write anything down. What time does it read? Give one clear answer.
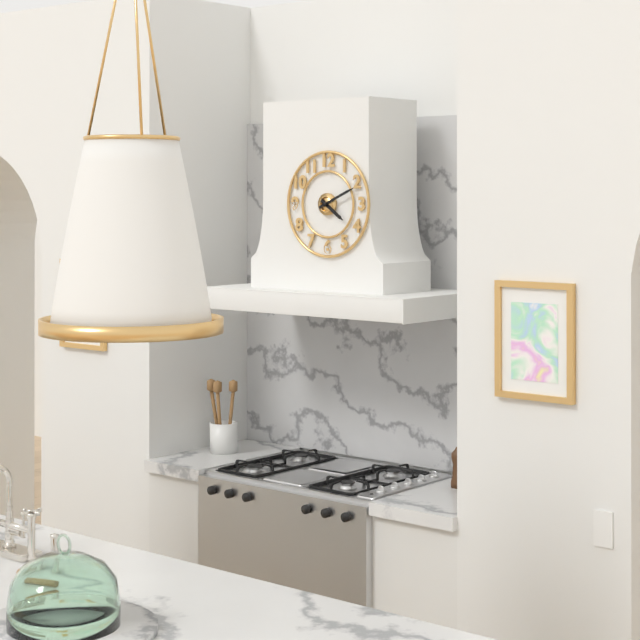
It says 4:11
